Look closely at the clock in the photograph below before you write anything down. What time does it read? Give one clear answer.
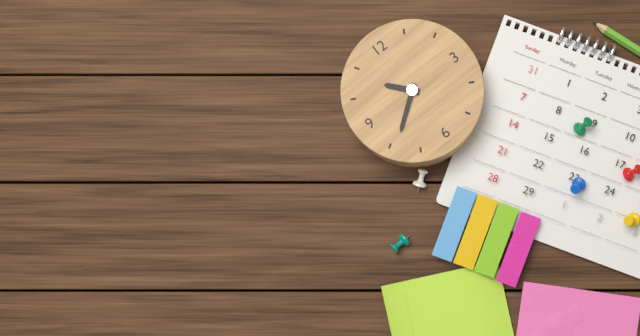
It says 10:39
